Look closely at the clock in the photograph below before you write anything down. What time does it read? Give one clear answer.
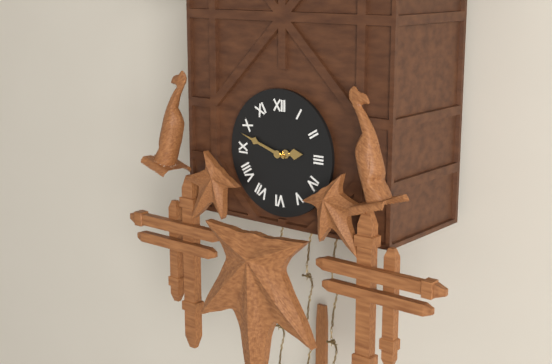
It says 2:48
